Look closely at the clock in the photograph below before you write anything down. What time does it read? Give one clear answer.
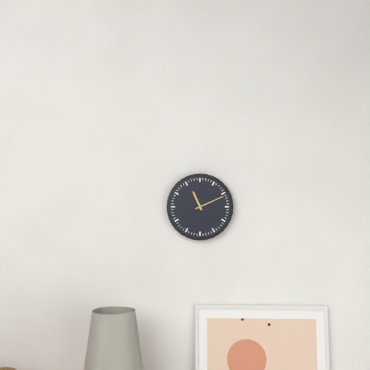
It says 11:11
